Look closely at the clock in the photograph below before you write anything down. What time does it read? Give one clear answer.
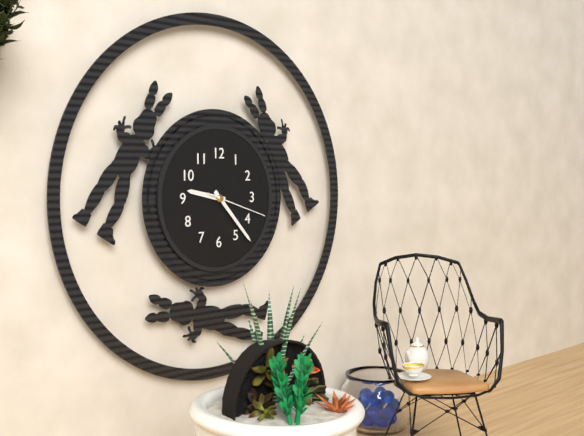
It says 9:23:18
